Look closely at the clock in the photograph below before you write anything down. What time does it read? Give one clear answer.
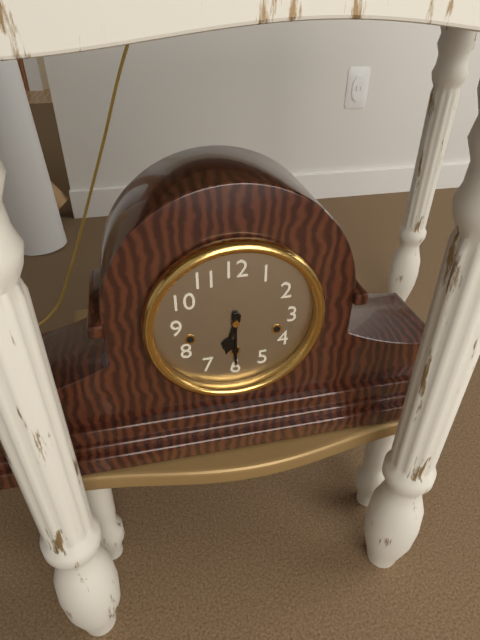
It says 6:30
